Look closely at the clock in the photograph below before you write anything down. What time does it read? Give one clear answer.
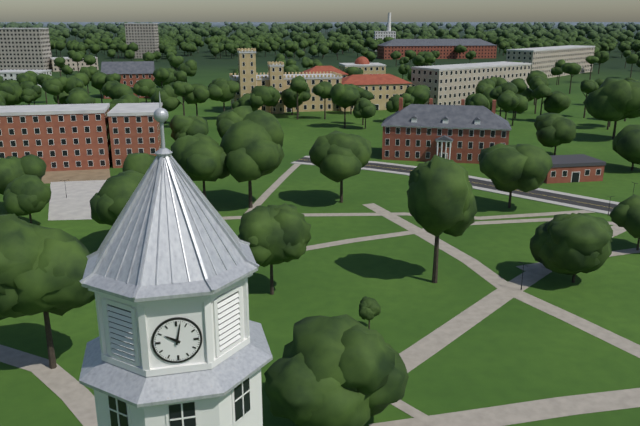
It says 10:02
